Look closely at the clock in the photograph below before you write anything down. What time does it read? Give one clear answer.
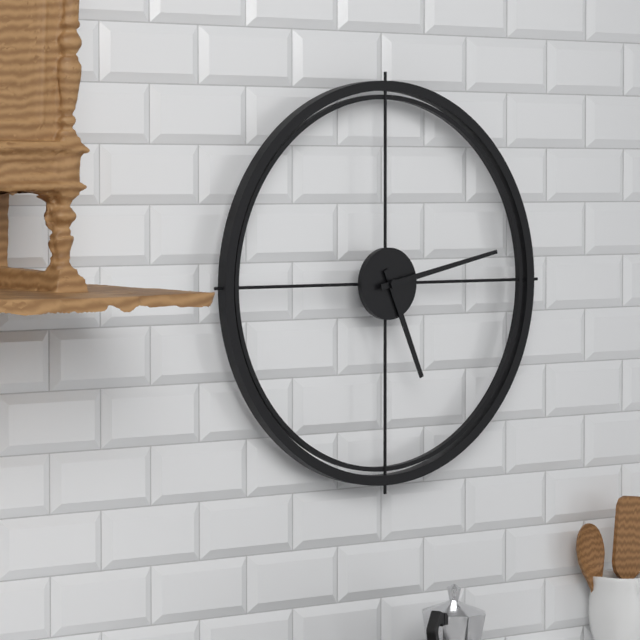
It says 5:13
